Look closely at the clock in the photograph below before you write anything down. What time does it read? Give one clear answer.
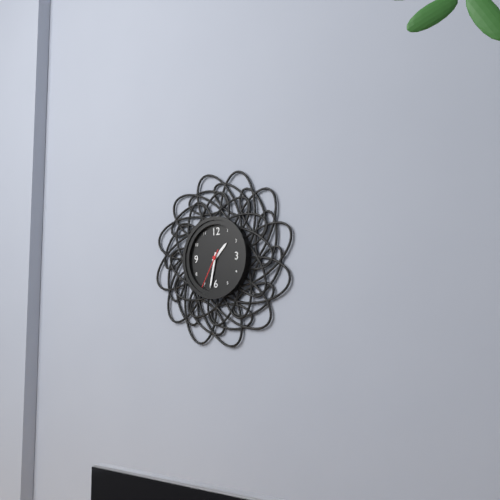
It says 1:32
